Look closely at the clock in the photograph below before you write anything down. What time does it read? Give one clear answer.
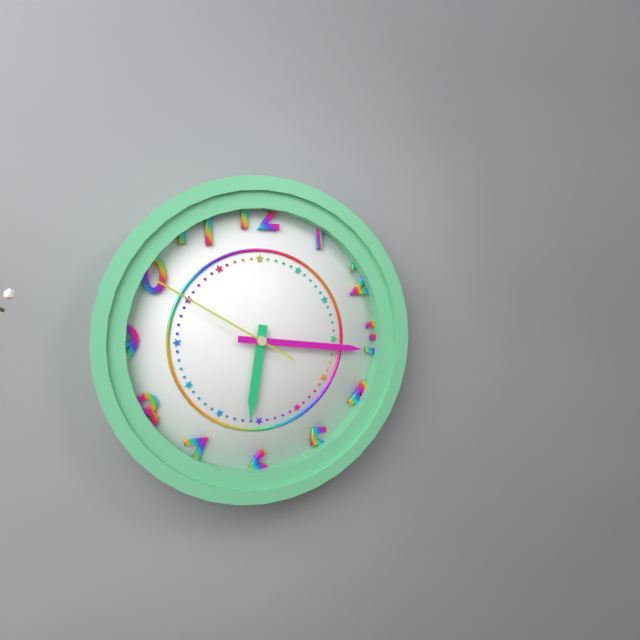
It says 6:16:50
